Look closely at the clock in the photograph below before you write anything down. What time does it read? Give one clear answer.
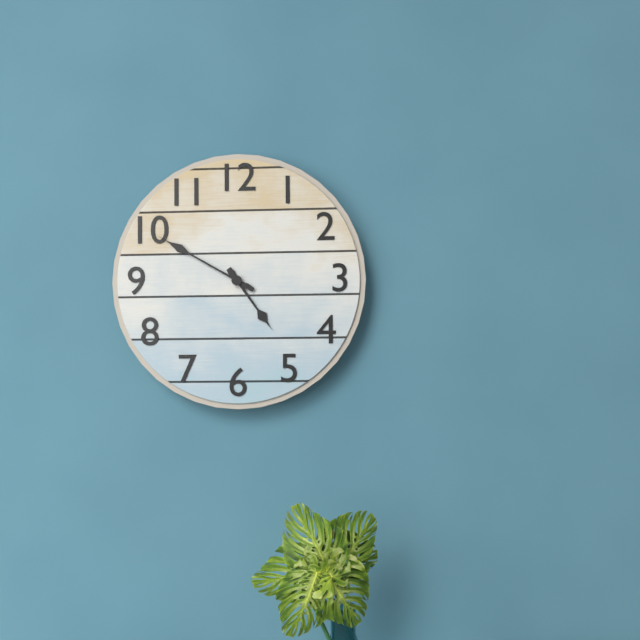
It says 4:50
